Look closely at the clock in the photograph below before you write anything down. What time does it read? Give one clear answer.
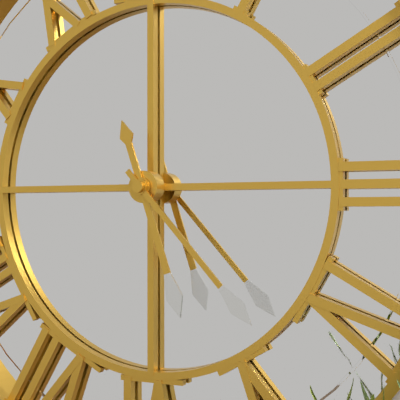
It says 5:23
